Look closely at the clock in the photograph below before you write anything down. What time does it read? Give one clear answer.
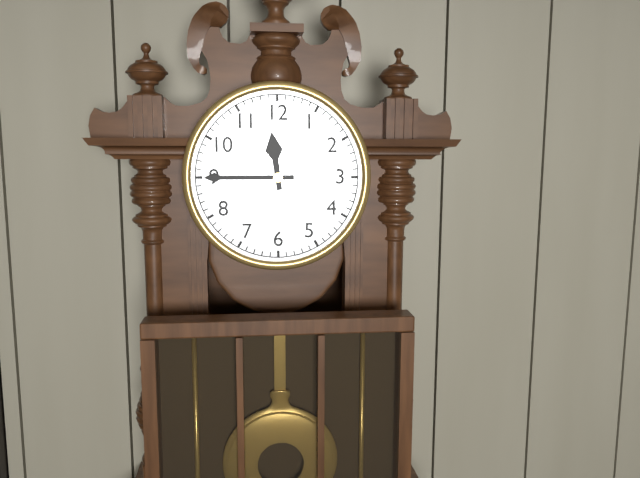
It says 11:45
